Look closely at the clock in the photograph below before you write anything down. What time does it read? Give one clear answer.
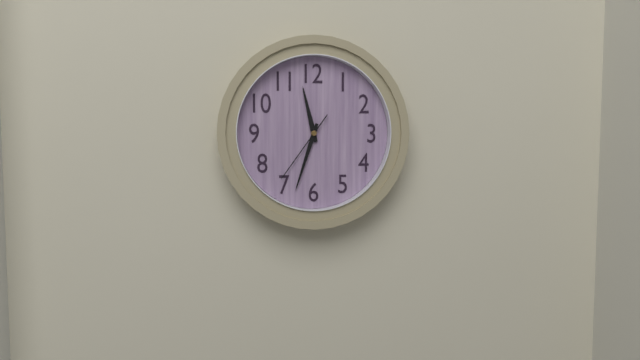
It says 11:33:36
